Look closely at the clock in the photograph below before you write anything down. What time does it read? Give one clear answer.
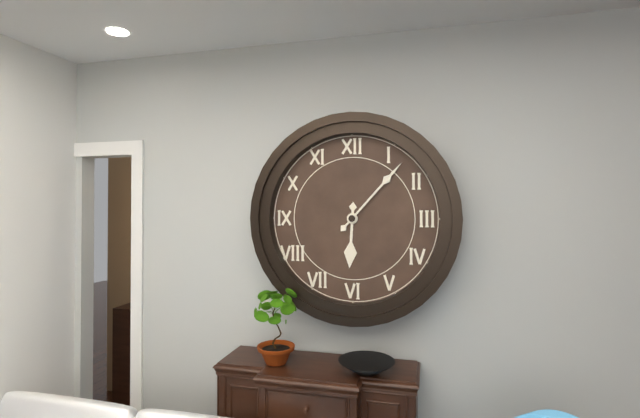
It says 6:07
